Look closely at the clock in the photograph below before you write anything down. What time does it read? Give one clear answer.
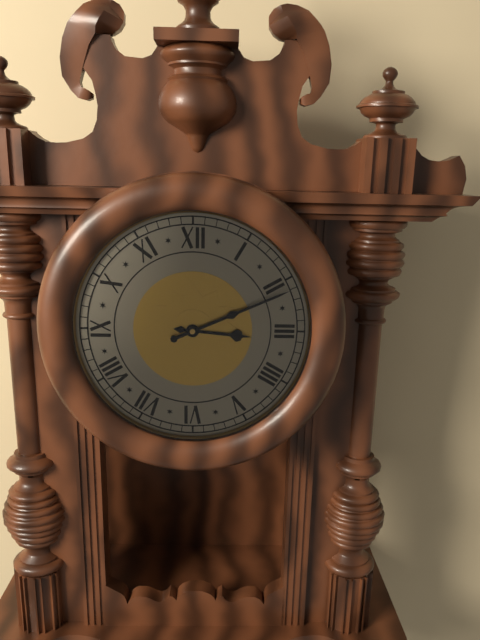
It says 3:11
